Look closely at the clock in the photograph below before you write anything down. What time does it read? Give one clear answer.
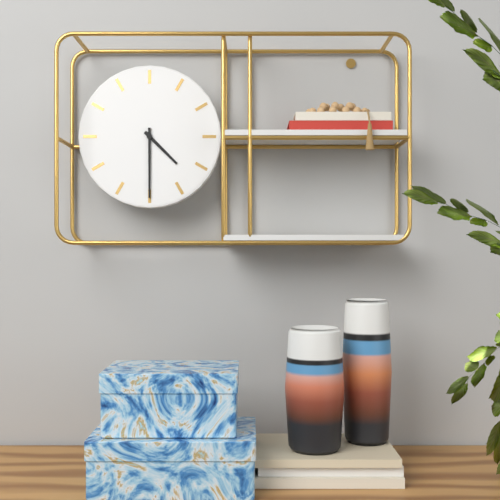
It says 4:30
